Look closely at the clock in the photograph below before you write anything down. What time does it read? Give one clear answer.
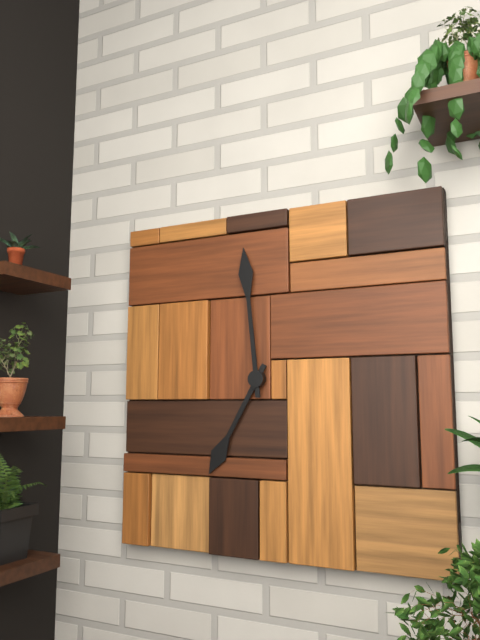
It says 6:59
